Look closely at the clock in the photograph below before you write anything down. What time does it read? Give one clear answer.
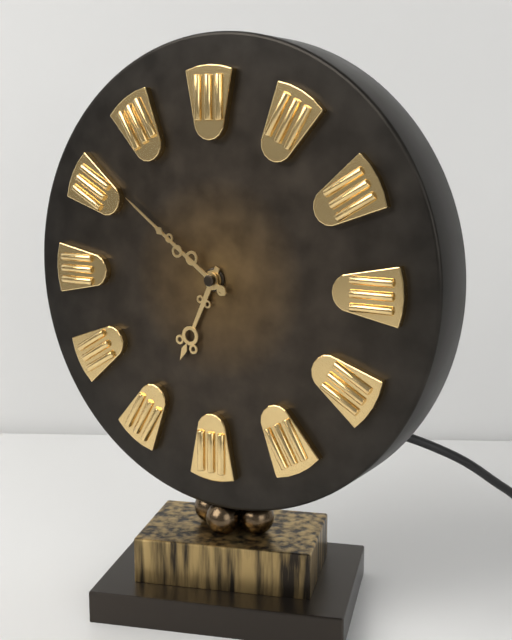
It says 6:51
